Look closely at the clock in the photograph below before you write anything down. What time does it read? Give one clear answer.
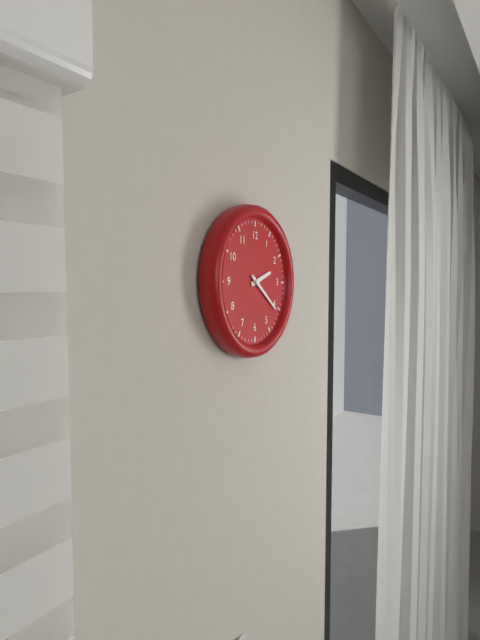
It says 2:21
